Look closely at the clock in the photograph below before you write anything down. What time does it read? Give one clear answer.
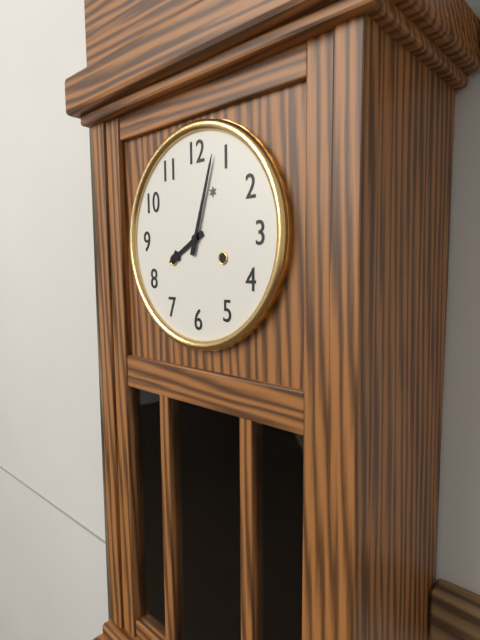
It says 8:03
